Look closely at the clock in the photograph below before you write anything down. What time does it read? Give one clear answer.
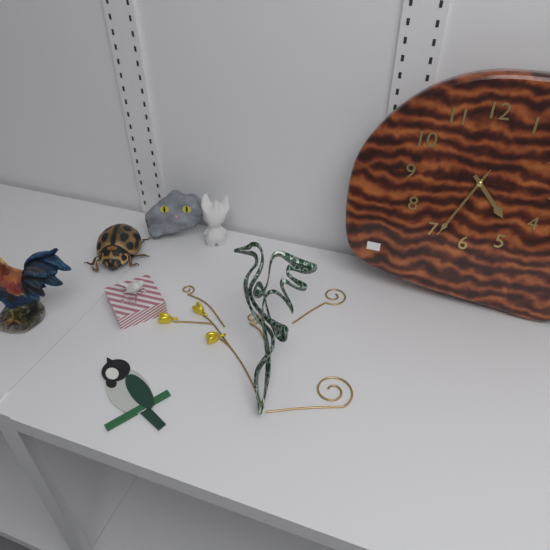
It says 4:34:34
